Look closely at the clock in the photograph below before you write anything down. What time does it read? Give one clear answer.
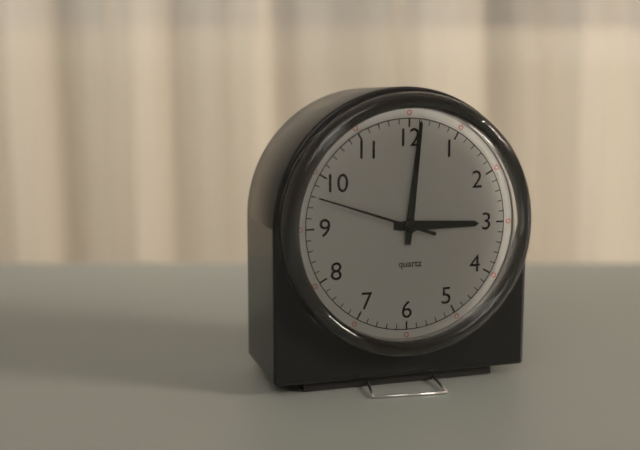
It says 3:01:48
